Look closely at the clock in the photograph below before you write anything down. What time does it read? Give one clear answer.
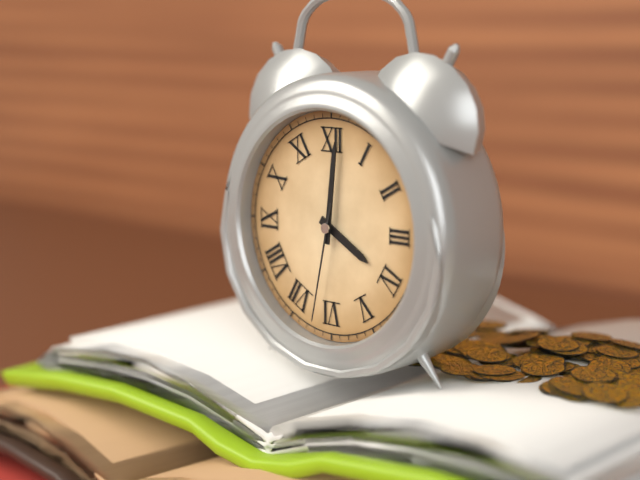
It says 4:01:32
